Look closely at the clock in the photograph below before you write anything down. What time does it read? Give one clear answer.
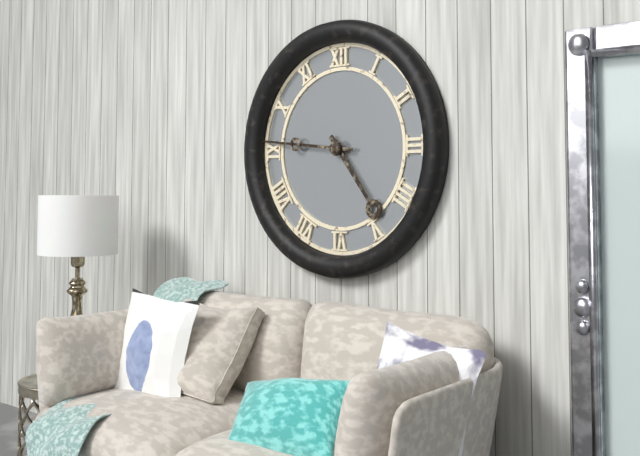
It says 4:46
